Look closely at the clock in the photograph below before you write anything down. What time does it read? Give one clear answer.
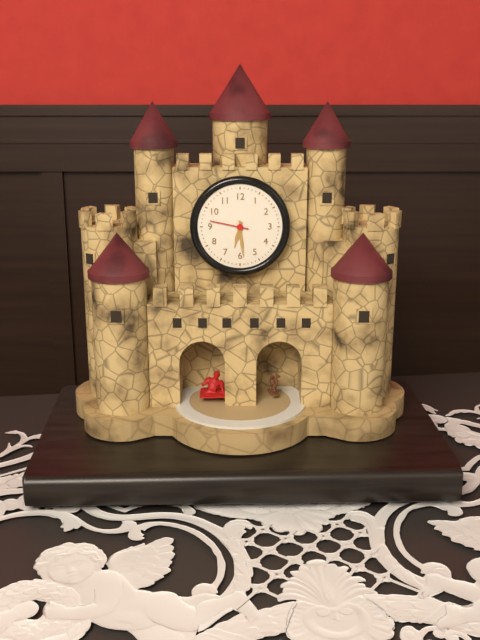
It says 6:29
